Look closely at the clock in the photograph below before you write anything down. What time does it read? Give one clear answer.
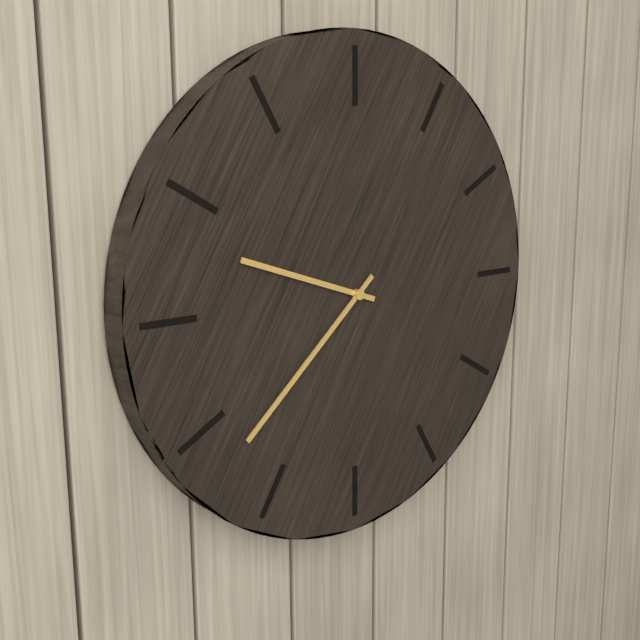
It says 9:38
